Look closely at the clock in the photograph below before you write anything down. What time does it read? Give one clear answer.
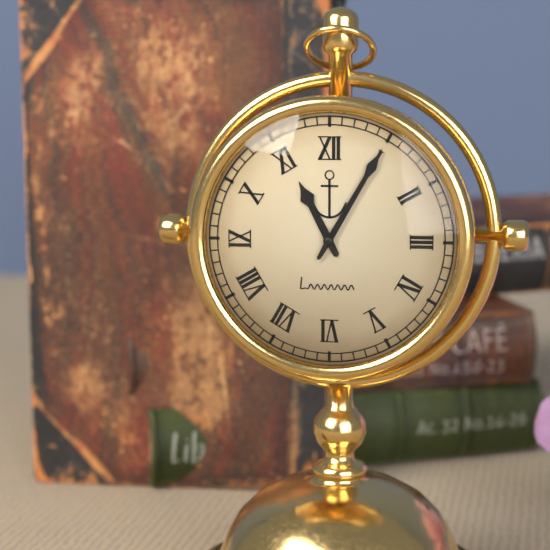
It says 11:05
